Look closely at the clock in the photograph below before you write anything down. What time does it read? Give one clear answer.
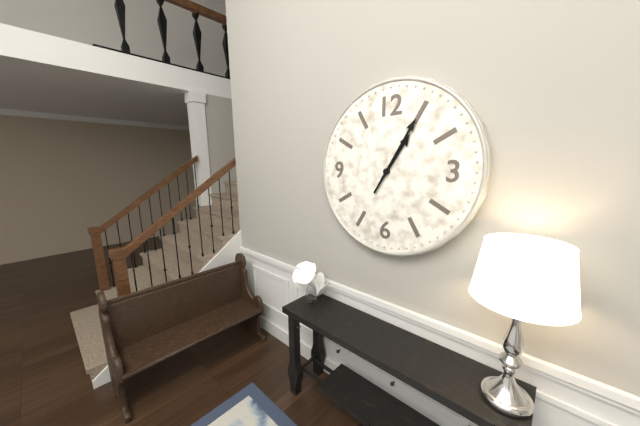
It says 1:05
